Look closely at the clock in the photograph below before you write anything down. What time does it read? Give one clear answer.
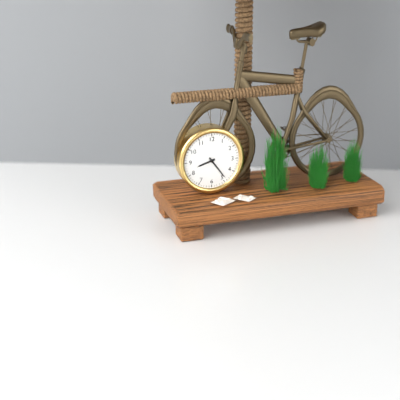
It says 8:24
